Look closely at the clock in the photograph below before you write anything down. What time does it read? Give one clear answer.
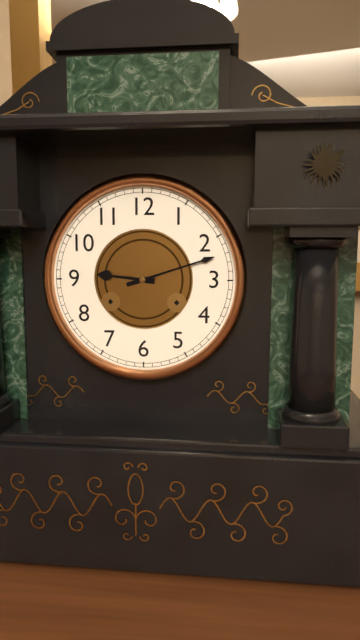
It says 9:12
